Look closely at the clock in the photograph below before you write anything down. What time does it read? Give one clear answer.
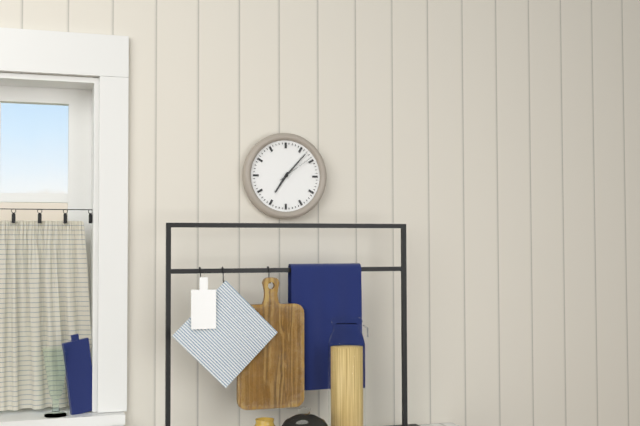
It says 7:07
